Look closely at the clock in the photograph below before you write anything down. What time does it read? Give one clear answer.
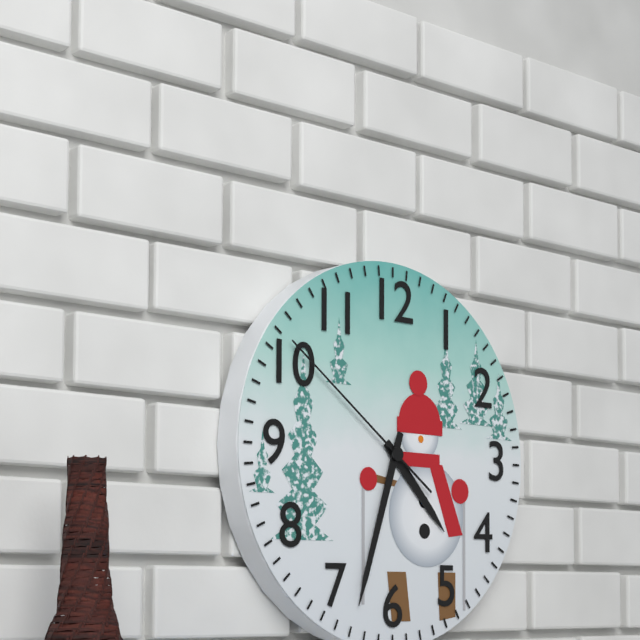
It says 4:33:51
